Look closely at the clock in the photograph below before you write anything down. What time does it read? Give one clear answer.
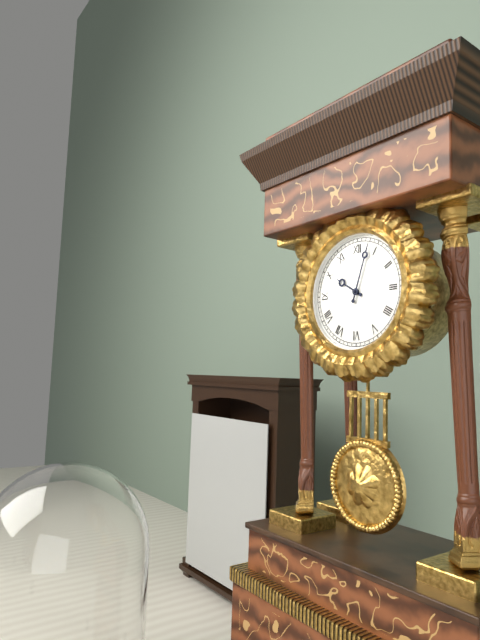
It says 10:03
